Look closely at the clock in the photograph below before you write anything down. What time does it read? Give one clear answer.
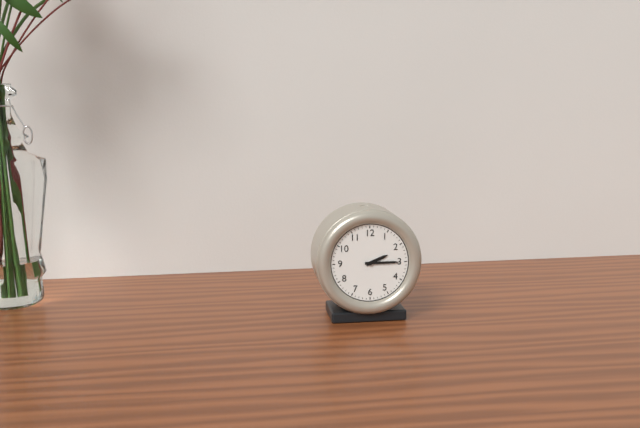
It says 2:15
